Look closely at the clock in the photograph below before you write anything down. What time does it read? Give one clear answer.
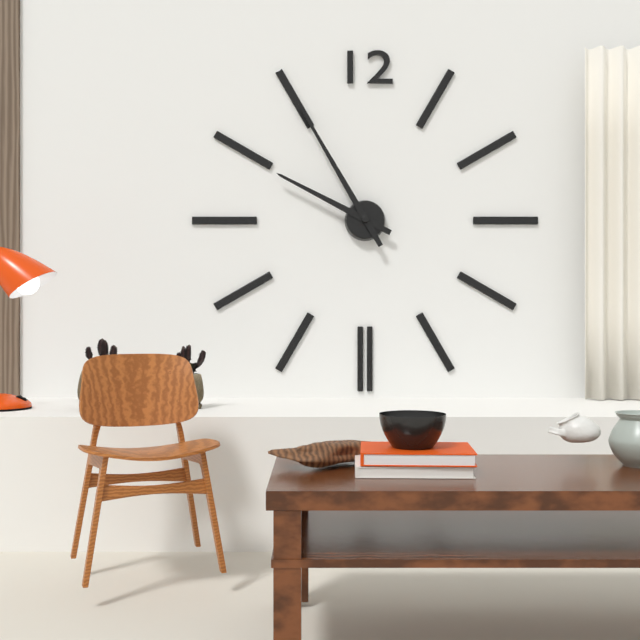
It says 9:55
